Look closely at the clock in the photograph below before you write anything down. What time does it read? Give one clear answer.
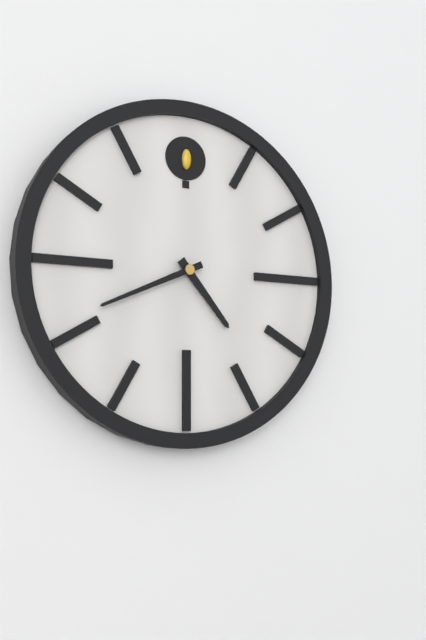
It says 4:41
